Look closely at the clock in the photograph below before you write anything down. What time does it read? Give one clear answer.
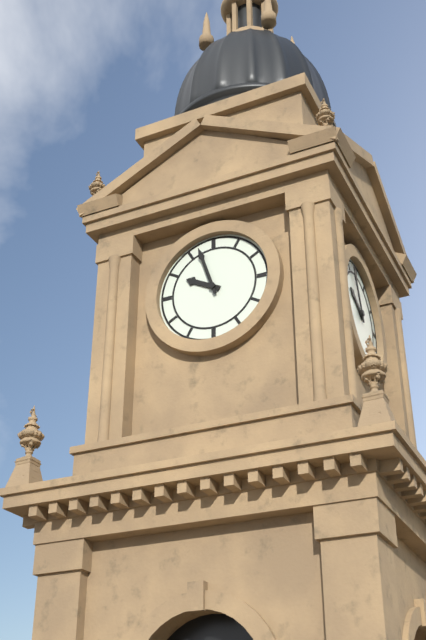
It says 9:57
